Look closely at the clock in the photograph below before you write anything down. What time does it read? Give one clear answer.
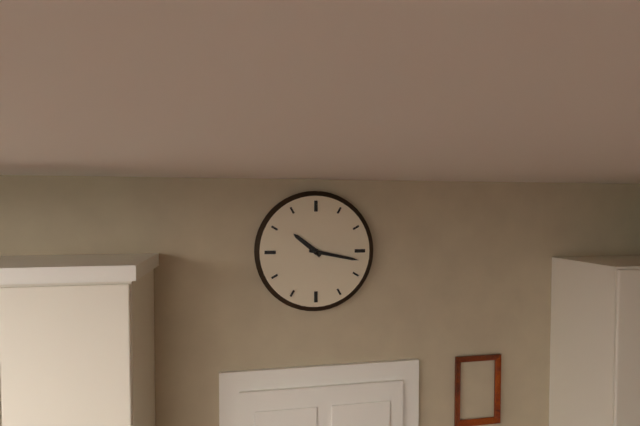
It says 10:17
